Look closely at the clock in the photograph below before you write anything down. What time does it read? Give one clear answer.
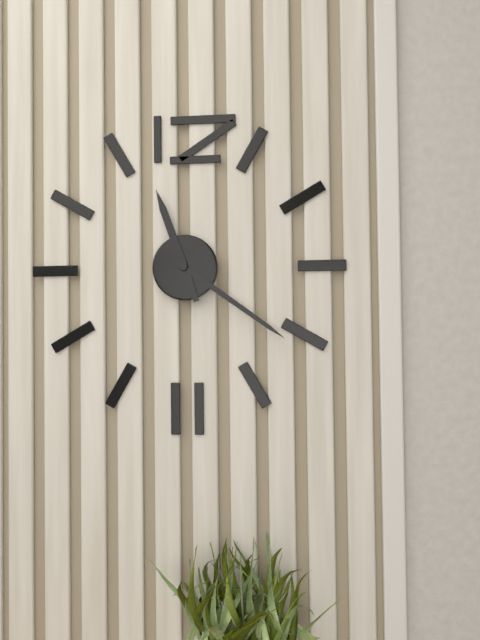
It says 11:21
